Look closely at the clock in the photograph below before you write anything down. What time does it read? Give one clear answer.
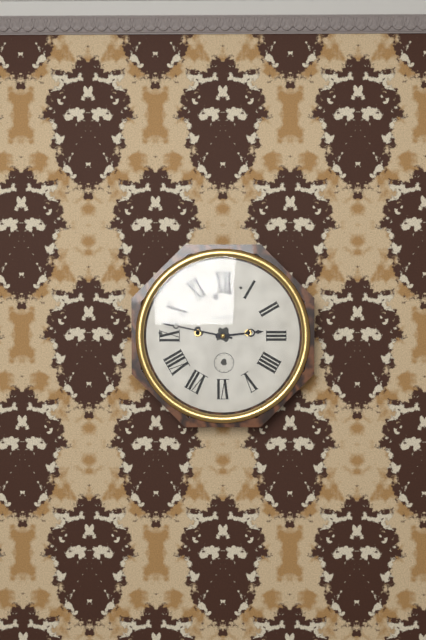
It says 2:47
